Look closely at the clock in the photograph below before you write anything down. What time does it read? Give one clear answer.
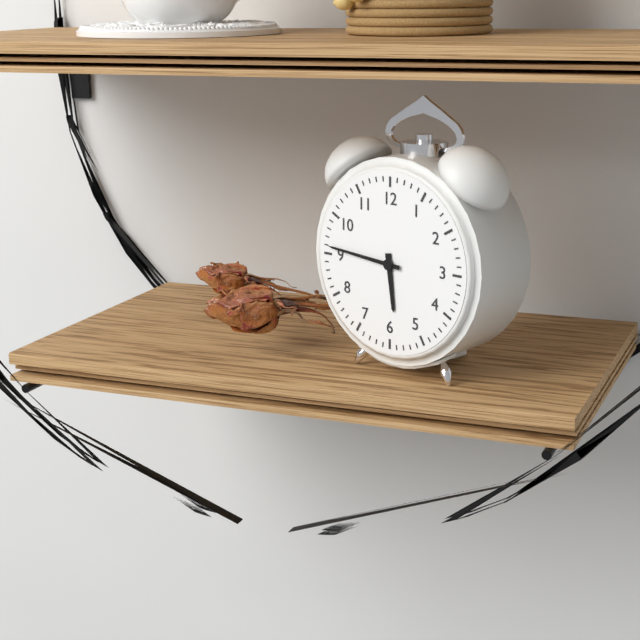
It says 5:46
